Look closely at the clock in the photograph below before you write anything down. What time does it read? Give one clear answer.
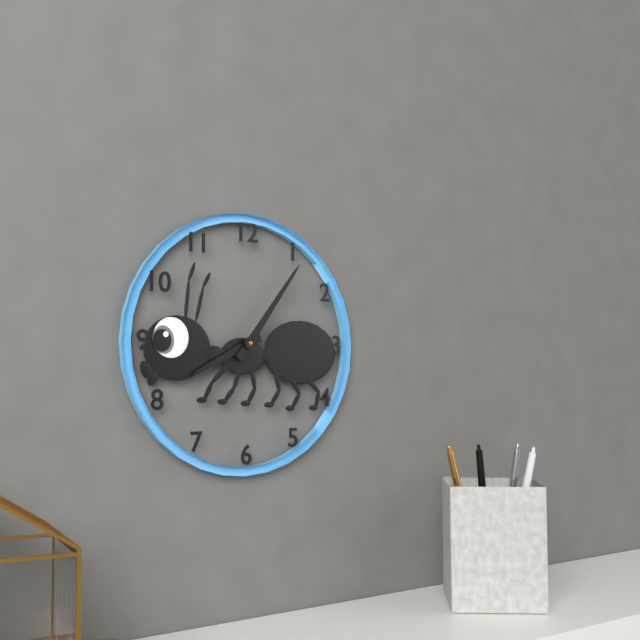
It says 8:06
